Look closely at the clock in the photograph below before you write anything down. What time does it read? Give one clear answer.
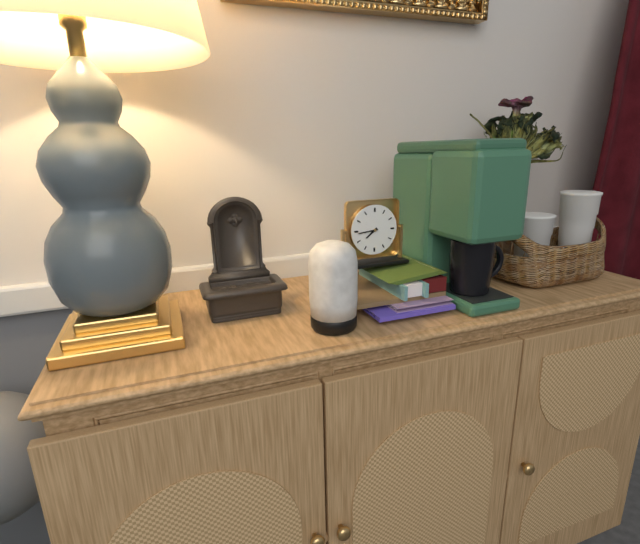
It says 7:44
